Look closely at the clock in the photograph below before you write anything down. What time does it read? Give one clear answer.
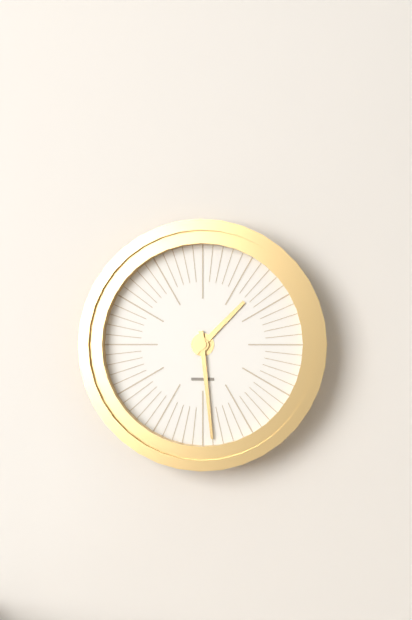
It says 1:29
